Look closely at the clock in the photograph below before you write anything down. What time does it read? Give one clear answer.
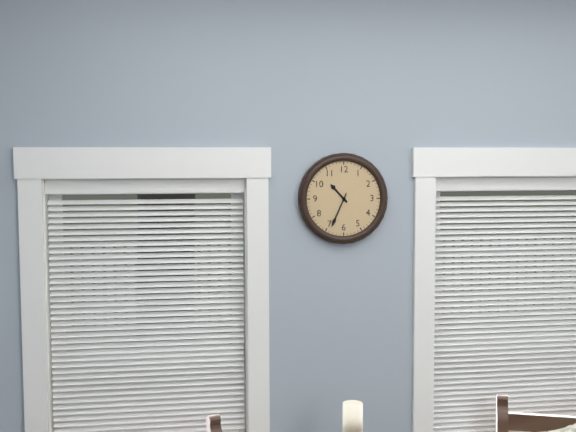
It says 10:34
